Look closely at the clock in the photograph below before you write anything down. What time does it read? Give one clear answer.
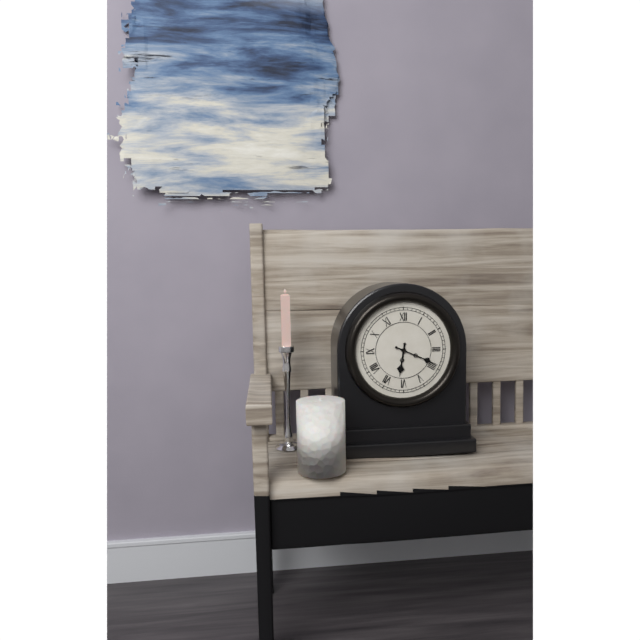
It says 6:19
